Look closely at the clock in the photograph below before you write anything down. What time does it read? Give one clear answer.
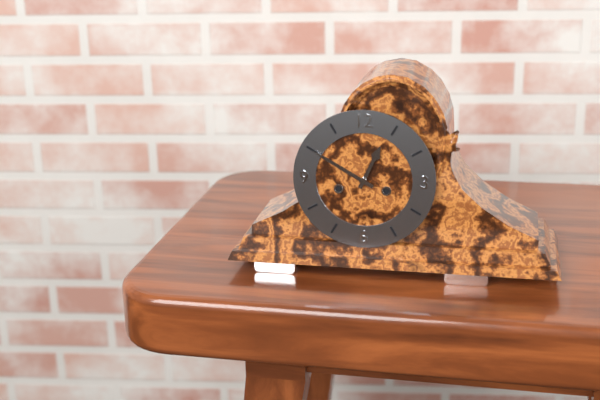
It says 12:50
